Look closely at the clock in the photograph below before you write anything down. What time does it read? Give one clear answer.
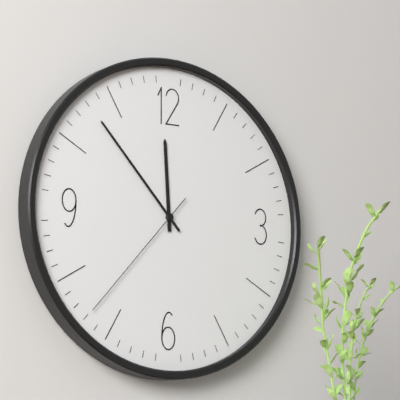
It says 11:53:37
